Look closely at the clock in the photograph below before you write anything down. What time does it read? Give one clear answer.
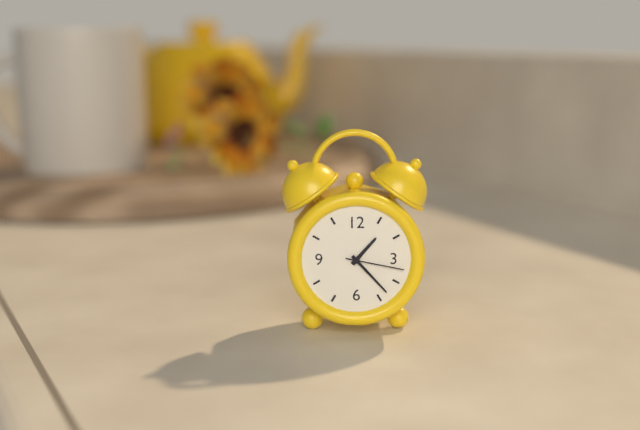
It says 1:23:17
